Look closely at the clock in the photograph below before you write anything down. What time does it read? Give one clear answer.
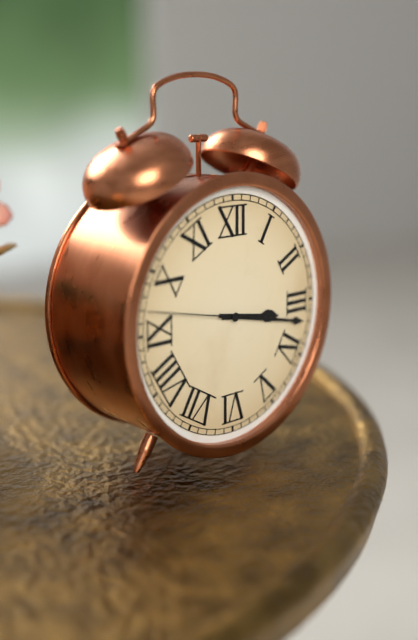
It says 3:17:47
